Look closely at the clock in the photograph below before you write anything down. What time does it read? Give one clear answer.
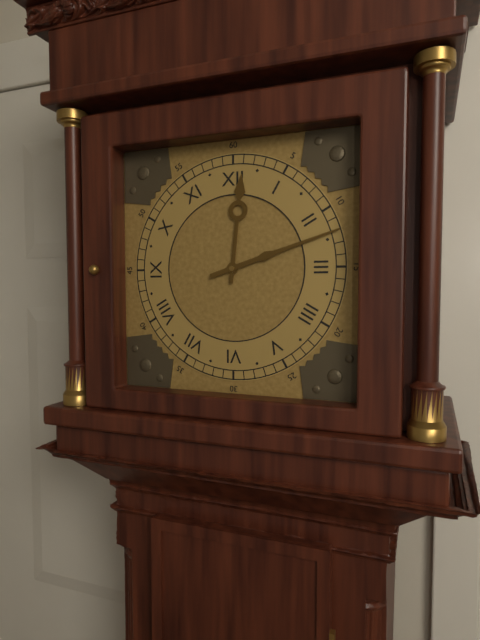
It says 12:12
